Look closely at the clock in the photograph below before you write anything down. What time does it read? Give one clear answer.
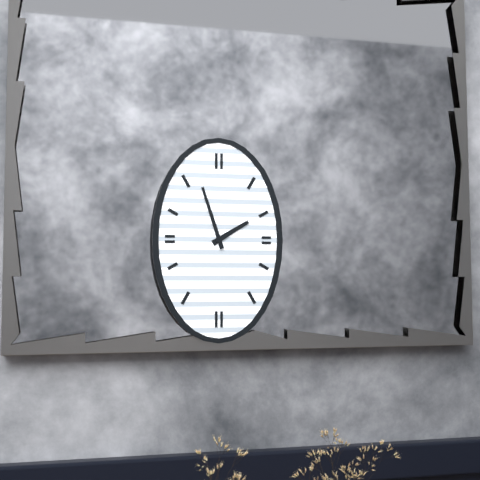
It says 1:57
